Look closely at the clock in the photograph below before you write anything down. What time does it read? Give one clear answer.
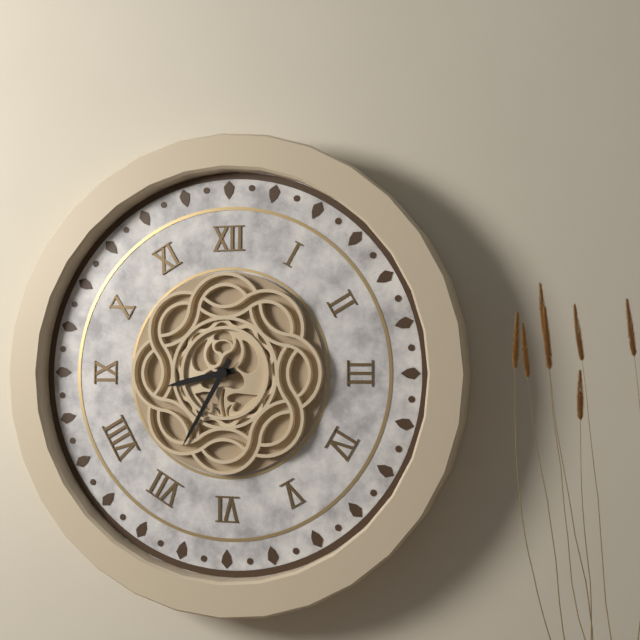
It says 8:35
